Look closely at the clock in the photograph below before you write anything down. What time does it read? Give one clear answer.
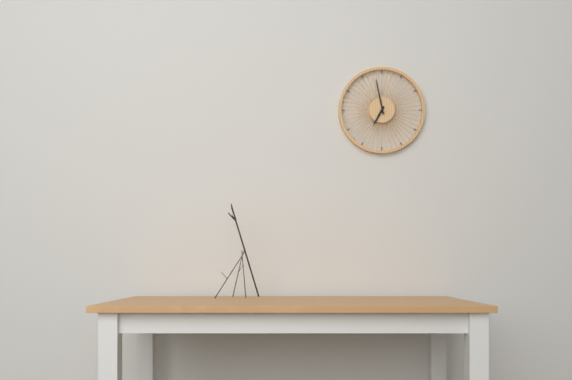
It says 6:58
